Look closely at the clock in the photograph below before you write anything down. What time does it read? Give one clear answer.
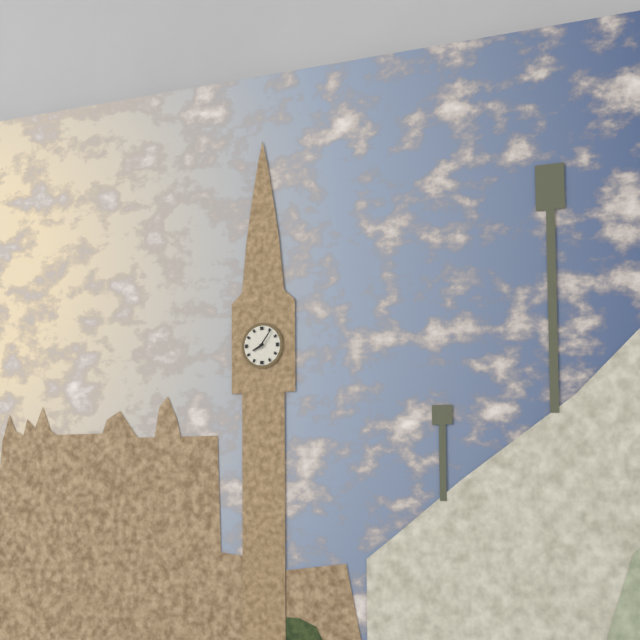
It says 8:06
